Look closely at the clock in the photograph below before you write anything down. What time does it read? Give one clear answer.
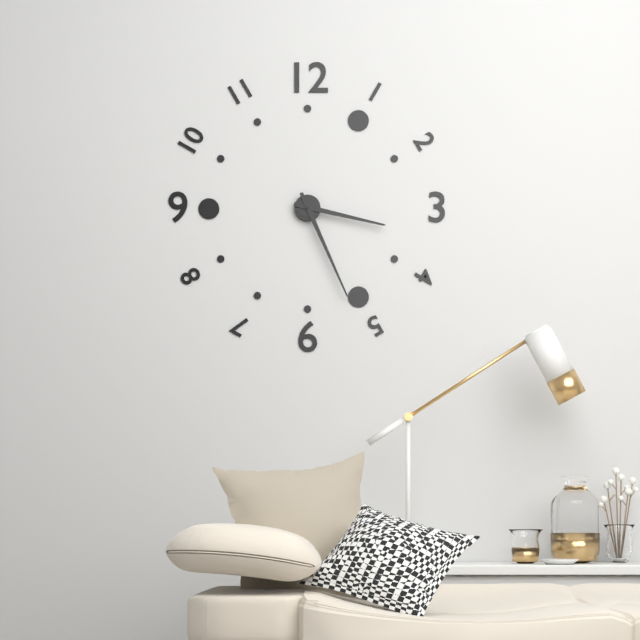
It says 3:26
